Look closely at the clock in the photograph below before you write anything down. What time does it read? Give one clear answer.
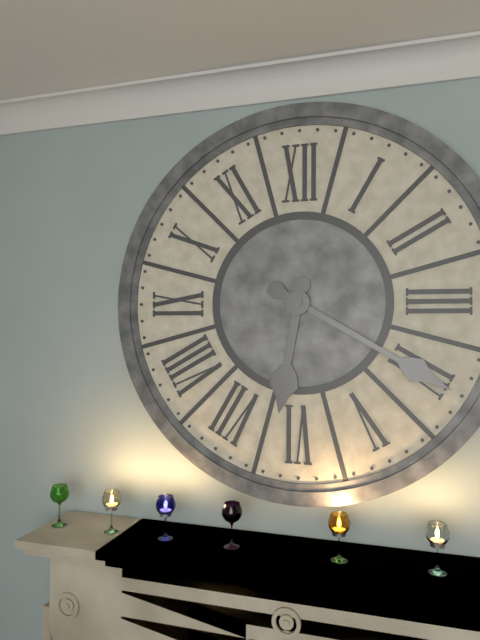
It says 6:20
